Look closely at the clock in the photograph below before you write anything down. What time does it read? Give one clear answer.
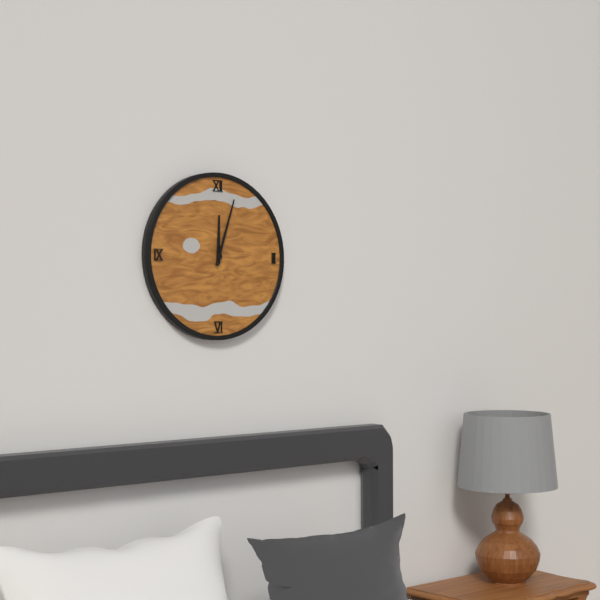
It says 12:03
